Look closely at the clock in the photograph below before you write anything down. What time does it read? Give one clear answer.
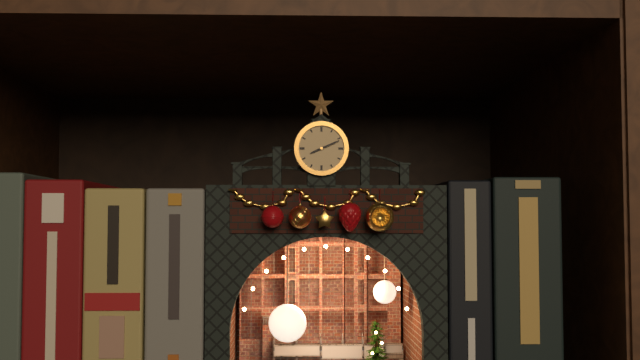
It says 8:11
